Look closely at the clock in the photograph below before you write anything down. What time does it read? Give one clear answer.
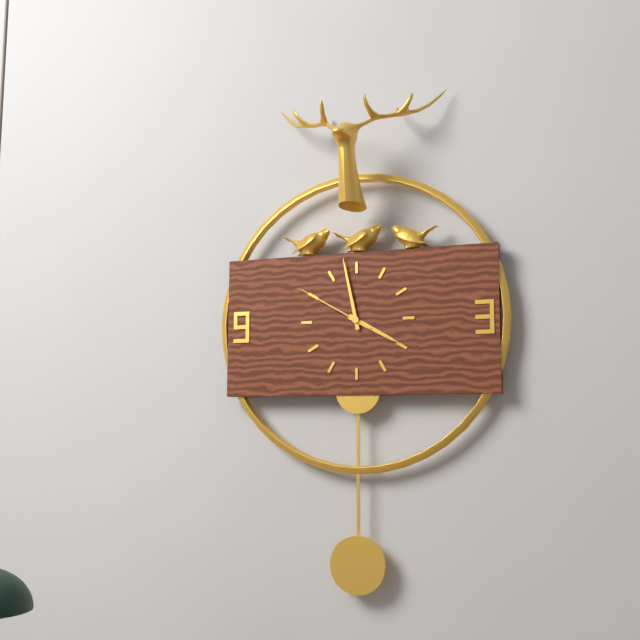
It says 3:58:50
